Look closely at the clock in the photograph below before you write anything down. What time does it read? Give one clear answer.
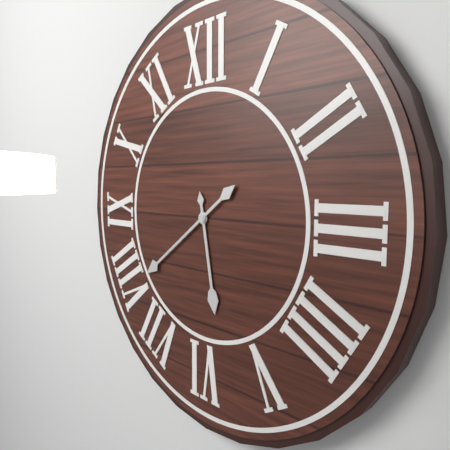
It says 5:39
